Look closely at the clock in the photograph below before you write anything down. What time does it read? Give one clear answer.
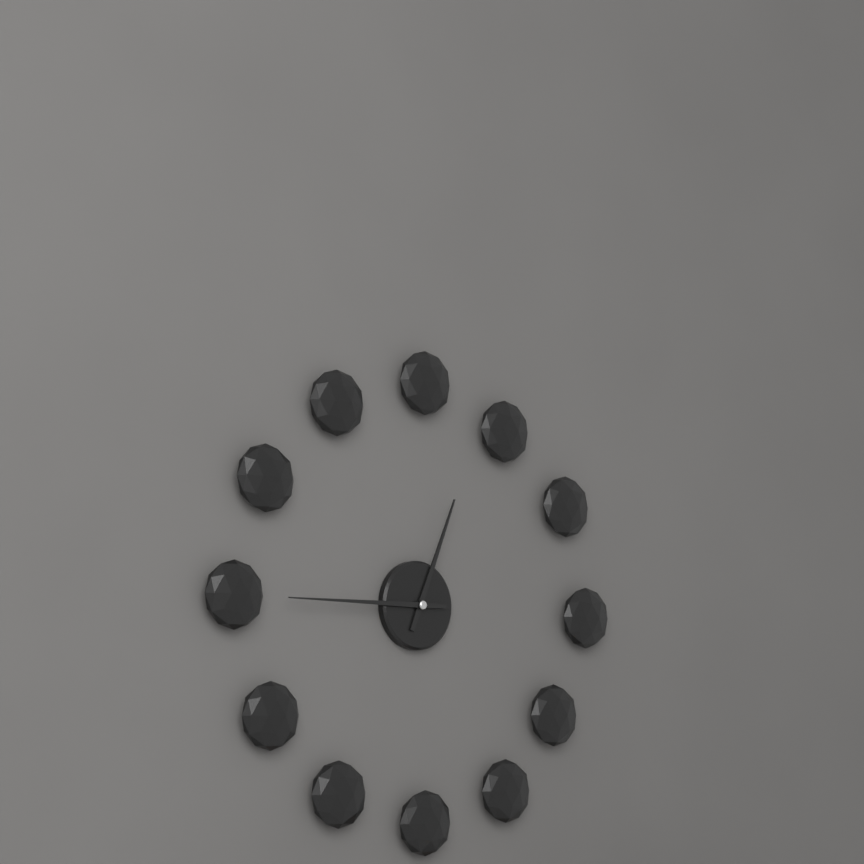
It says 12:45
